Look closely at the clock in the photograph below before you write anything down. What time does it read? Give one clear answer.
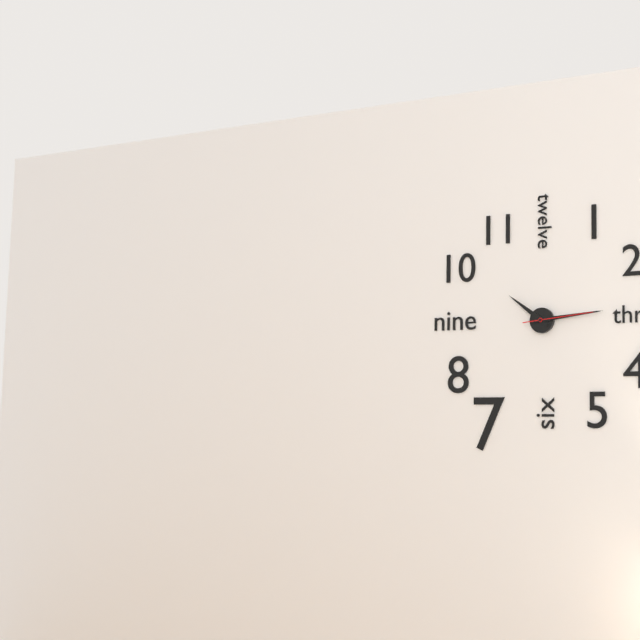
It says 10:14:14
